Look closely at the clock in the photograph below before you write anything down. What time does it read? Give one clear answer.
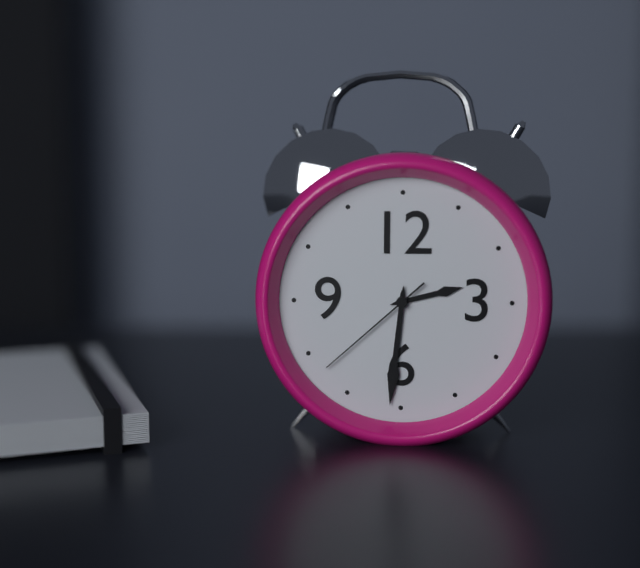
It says 2:31:38
